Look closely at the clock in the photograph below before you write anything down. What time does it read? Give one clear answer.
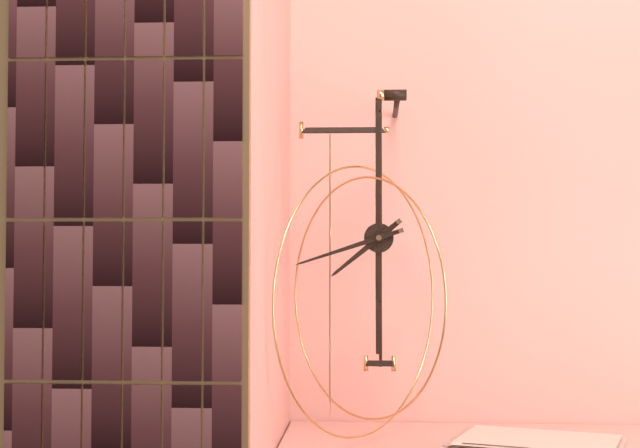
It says 7:42
